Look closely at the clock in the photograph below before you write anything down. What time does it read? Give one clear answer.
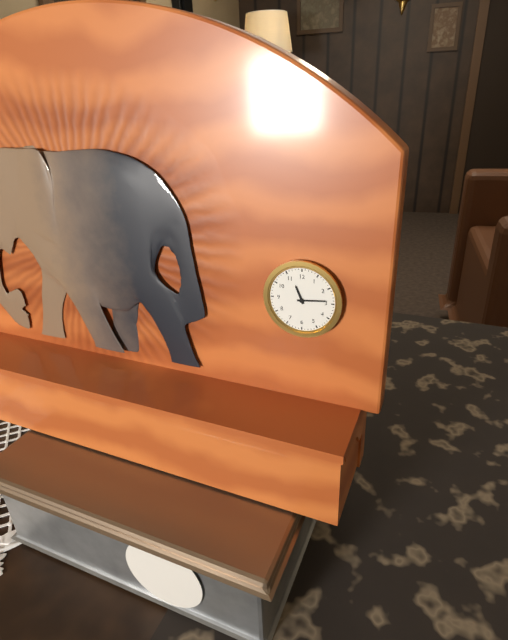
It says 11:14
